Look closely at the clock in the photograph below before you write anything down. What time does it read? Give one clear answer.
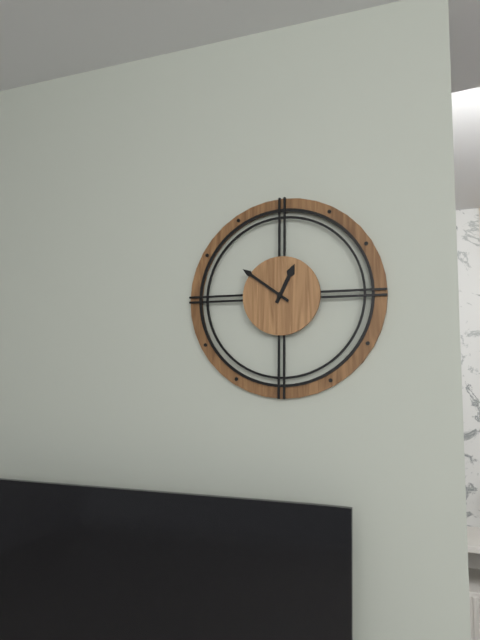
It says 12:51
